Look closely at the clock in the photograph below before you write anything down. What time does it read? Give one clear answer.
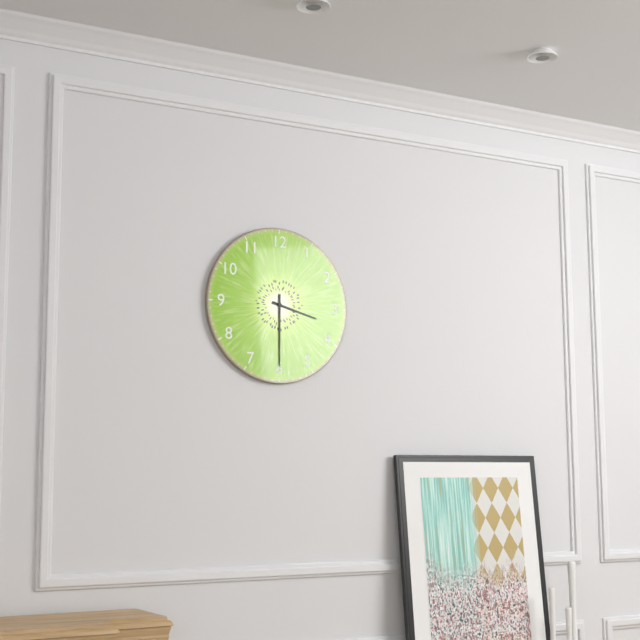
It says 3:30
